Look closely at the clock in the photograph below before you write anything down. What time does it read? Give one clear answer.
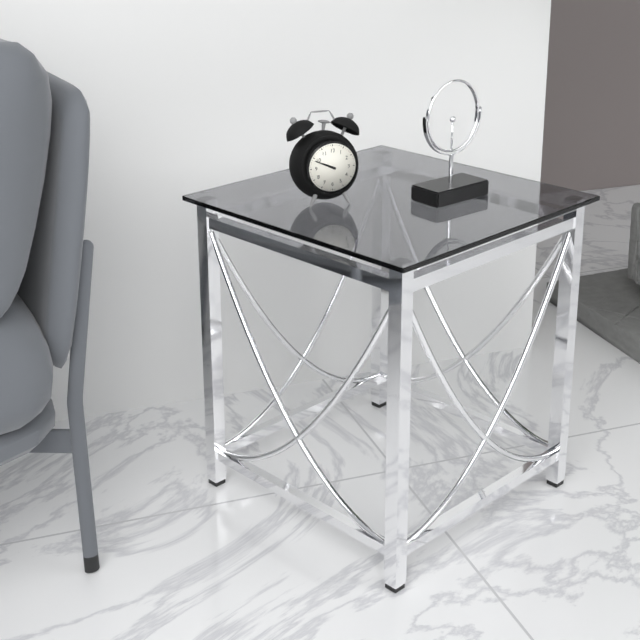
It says 9:49
